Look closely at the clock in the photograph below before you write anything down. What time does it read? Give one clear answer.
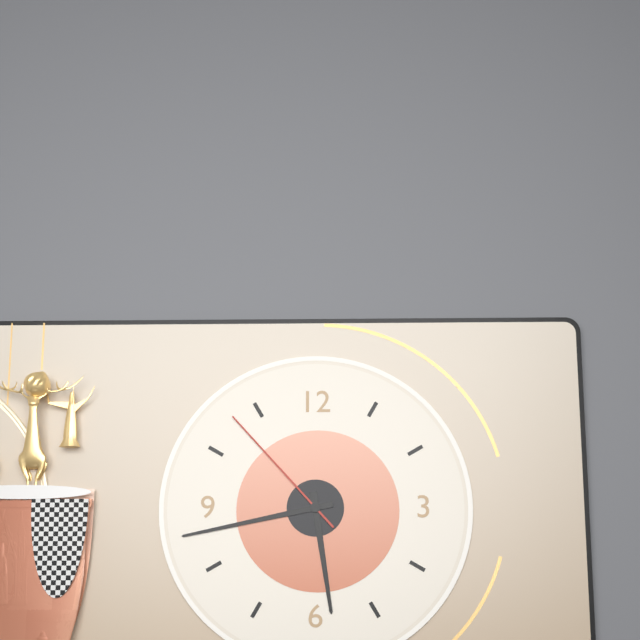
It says 5:43:53
